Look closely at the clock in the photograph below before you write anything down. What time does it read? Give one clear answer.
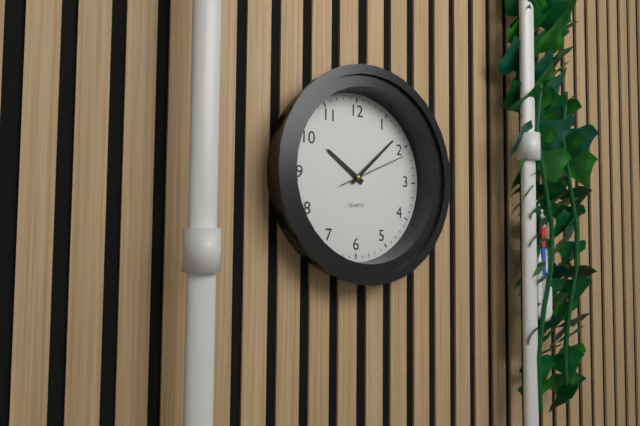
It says 10:08:11
